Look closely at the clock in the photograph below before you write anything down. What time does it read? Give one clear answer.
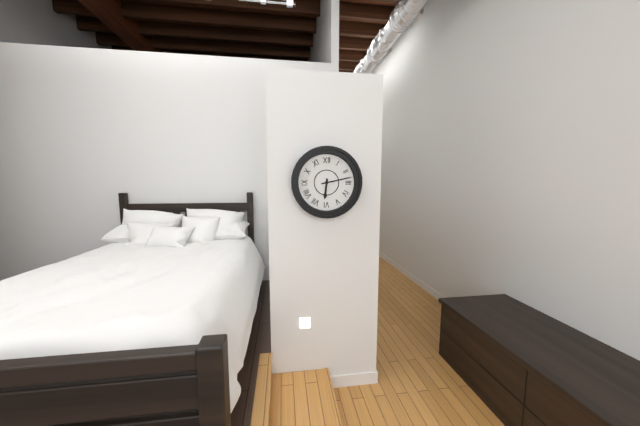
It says 6:13
